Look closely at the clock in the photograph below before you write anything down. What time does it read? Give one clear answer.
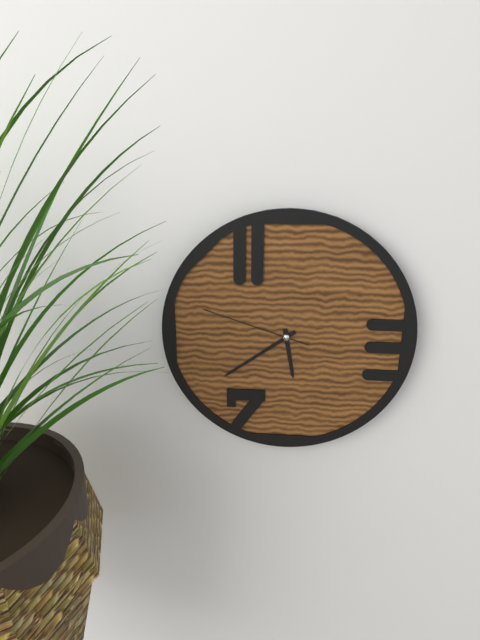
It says 5:39:48
